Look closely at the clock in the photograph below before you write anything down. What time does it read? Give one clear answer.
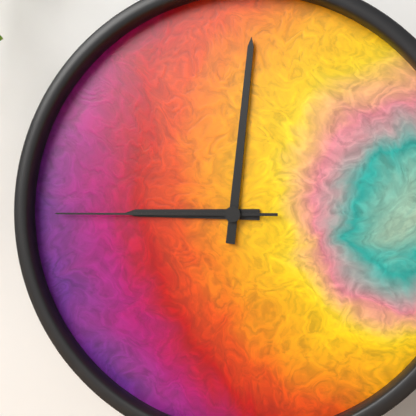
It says 9:01:45
